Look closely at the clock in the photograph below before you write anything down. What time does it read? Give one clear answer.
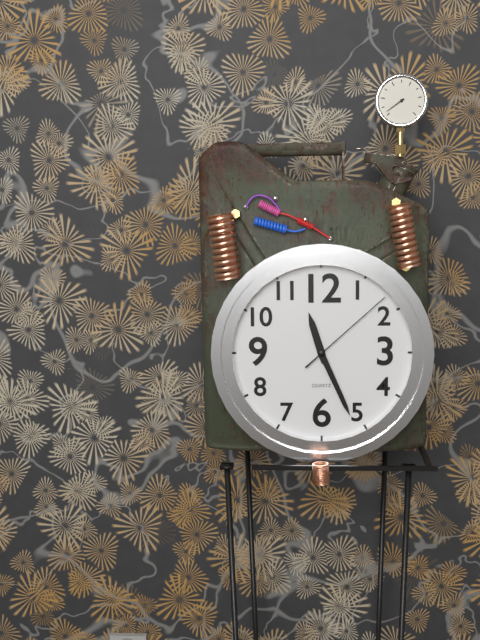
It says 11:26:08
